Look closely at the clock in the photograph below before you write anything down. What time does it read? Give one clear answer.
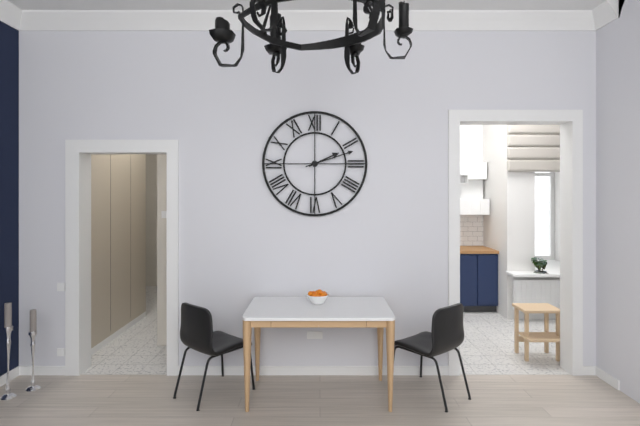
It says 2:12
